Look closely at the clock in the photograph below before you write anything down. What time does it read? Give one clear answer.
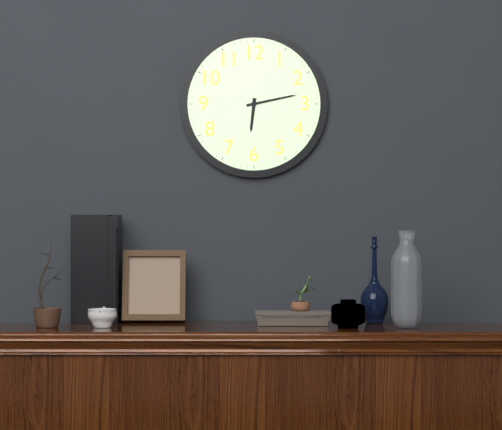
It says 6:13
